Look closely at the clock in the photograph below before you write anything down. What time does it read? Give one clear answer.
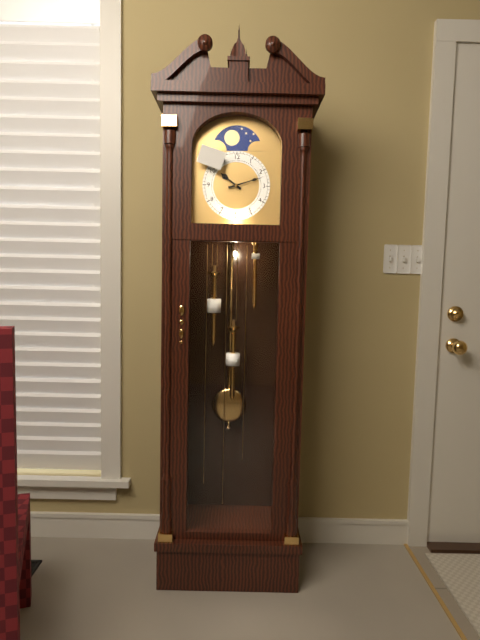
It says 10:12
